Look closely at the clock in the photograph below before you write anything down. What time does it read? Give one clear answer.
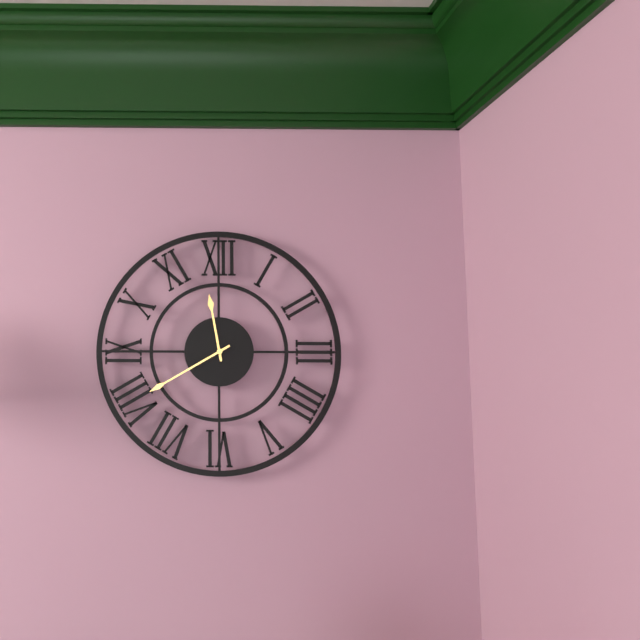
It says 11:40
